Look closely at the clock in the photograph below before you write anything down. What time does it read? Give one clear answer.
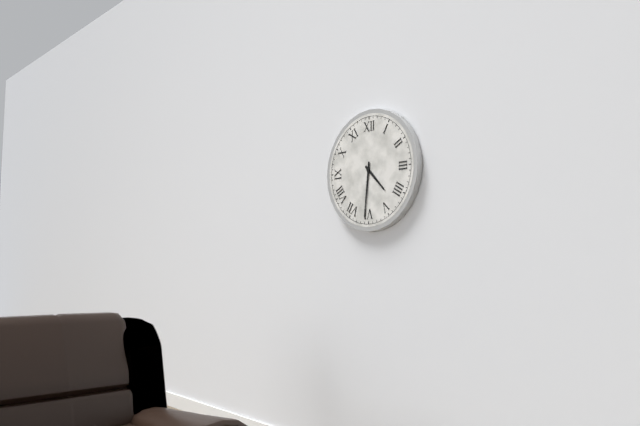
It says 4:31
